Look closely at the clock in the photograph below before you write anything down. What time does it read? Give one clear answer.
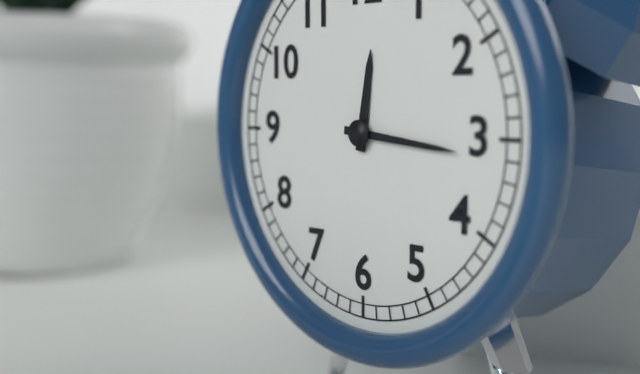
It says 12:16
